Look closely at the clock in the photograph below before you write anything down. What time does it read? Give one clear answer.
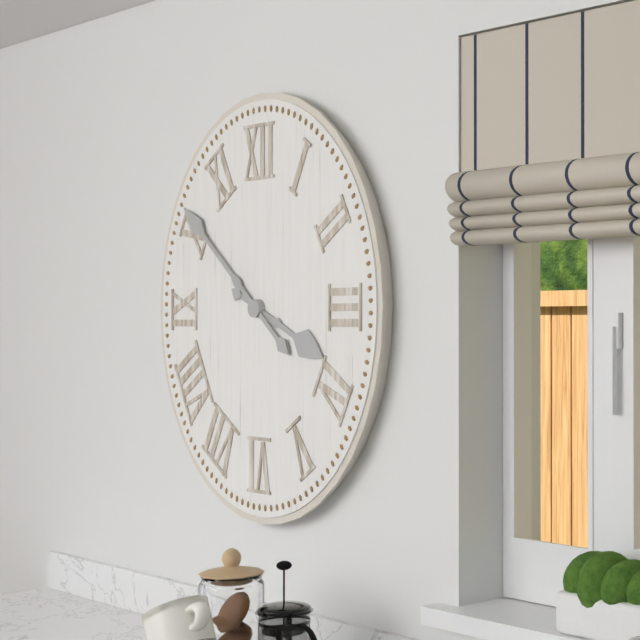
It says 3:52
